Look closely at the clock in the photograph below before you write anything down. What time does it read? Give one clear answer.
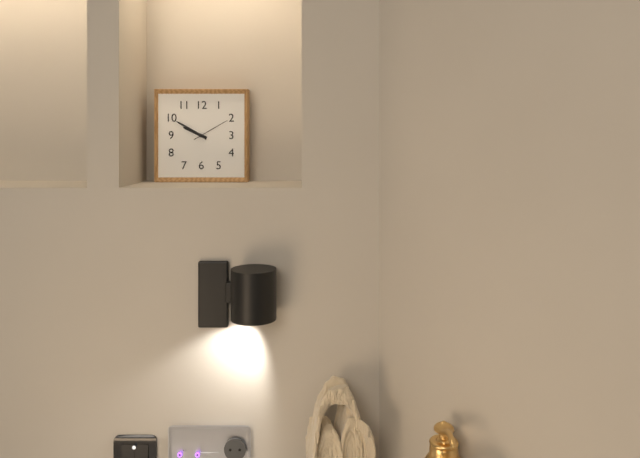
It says 9:50
